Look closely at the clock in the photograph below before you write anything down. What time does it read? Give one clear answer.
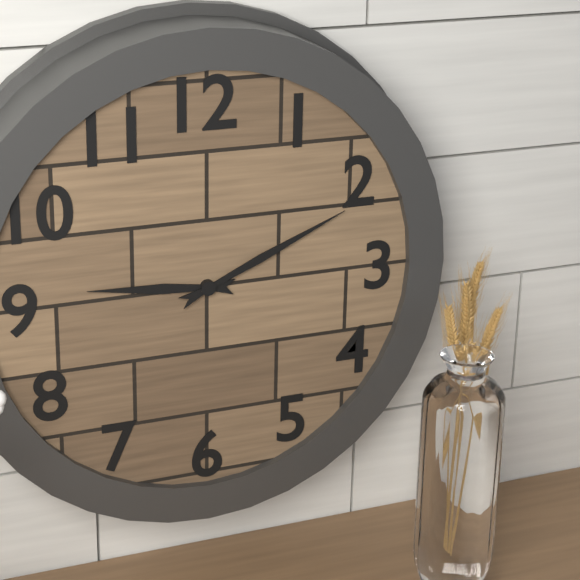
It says 9:11
